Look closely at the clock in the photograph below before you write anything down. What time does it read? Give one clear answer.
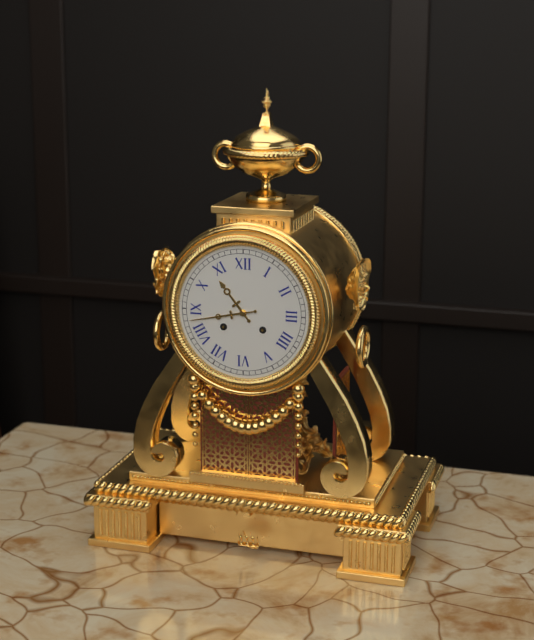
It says 10:43
